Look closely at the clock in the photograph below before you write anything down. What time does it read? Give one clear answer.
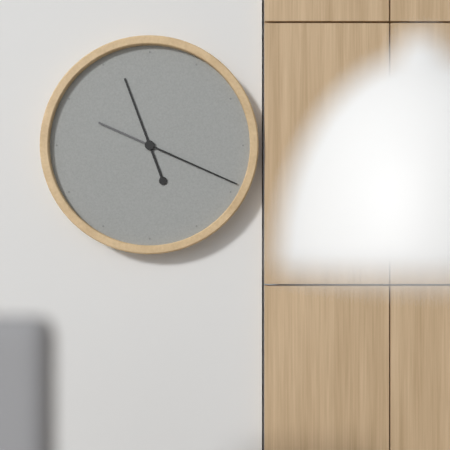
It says 11:19
